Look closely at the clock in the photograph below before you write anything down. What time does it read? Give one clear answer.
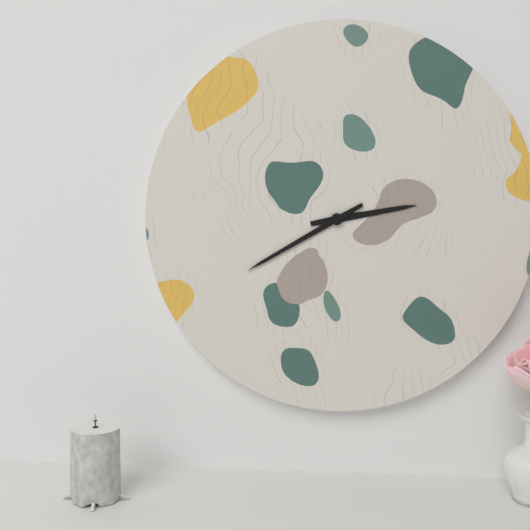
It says 2:40
